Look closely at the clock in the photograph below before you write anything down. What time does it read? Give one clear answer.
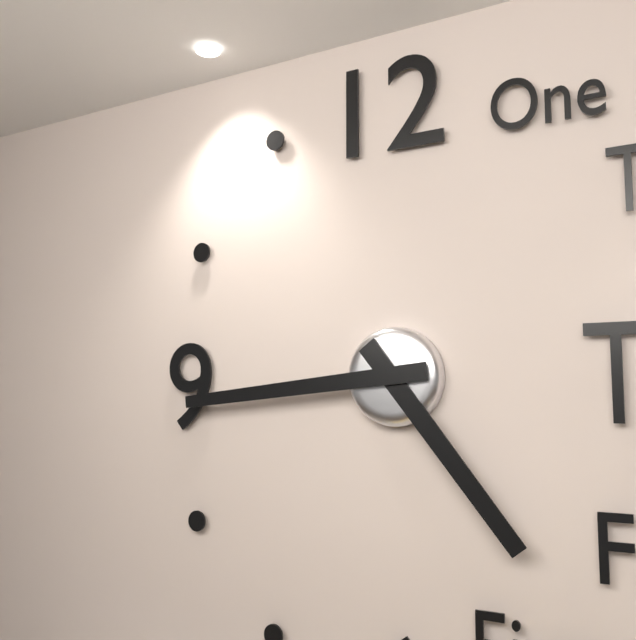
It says 4:44
